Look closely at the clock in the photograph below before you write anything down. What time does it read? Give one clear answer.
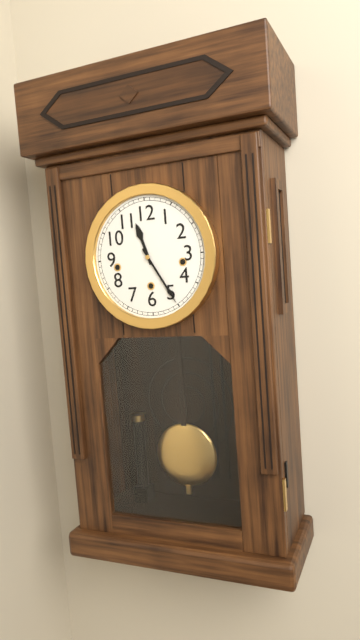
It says 11:25
